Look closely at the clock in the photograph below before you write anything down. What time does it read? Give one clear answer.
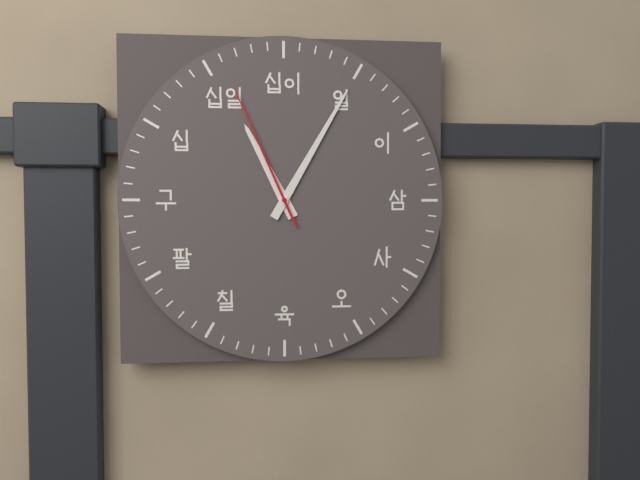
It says 11:05:56
